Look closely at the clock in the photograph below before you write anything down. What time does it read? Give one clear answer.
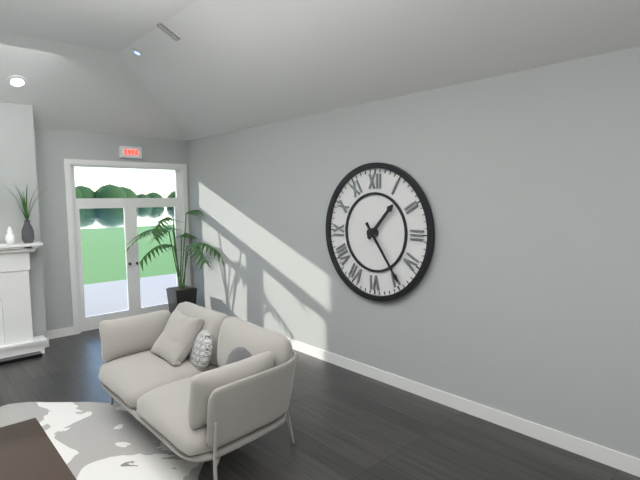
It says 1:24
